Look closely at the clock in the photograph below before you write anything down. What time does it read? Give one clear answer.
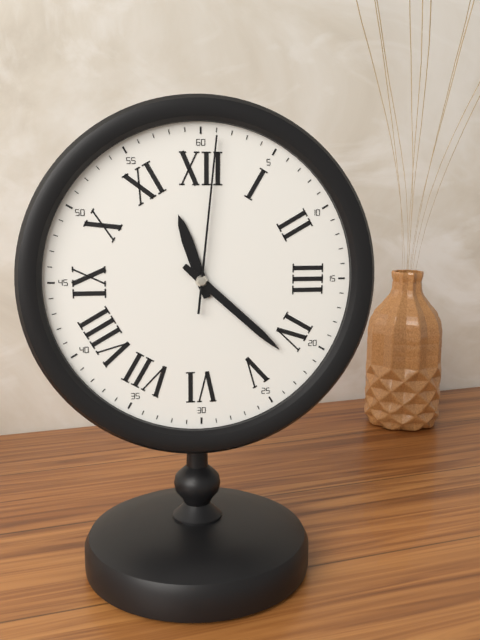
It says 11:22:01
